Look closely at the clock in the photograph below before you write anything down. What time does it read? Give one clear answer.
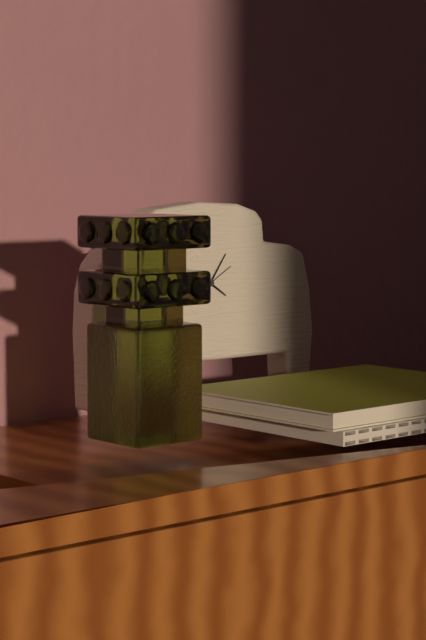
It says 4:06
